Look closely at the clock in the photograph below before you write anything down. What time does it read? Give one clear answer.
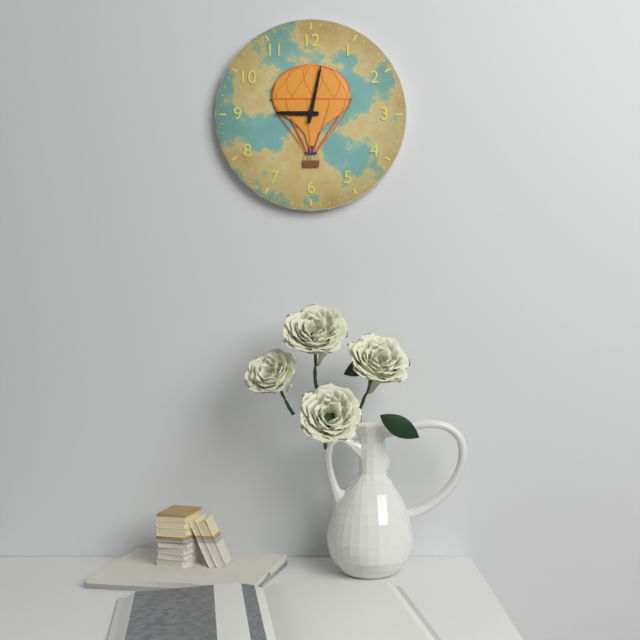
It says 9:02
